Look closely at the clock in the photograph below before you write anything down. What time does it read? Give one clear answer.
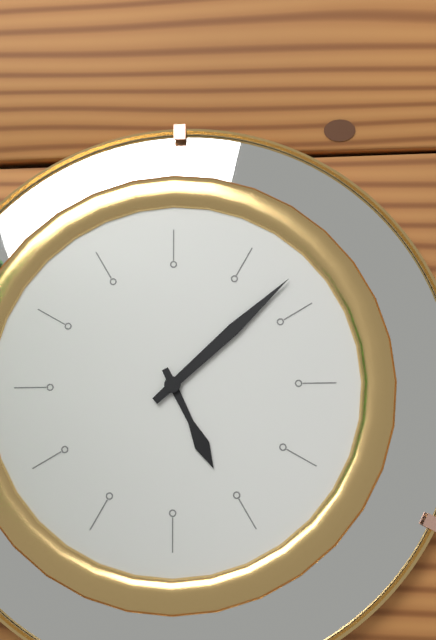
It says 5:08
